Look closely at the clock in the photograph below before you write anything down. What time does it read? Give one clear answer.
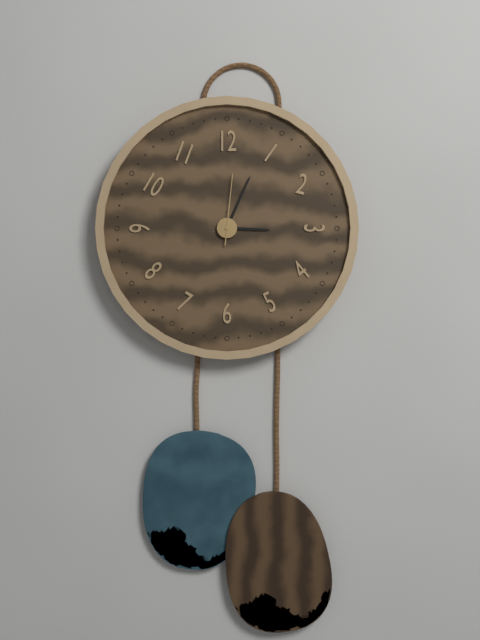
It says 3:04:01
